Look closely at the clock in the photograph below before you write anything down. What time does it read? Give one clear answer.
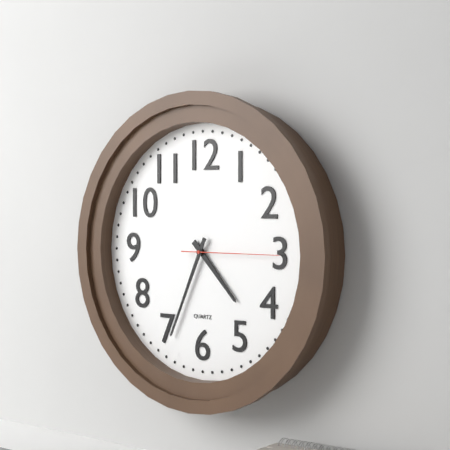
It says 4:34:15
